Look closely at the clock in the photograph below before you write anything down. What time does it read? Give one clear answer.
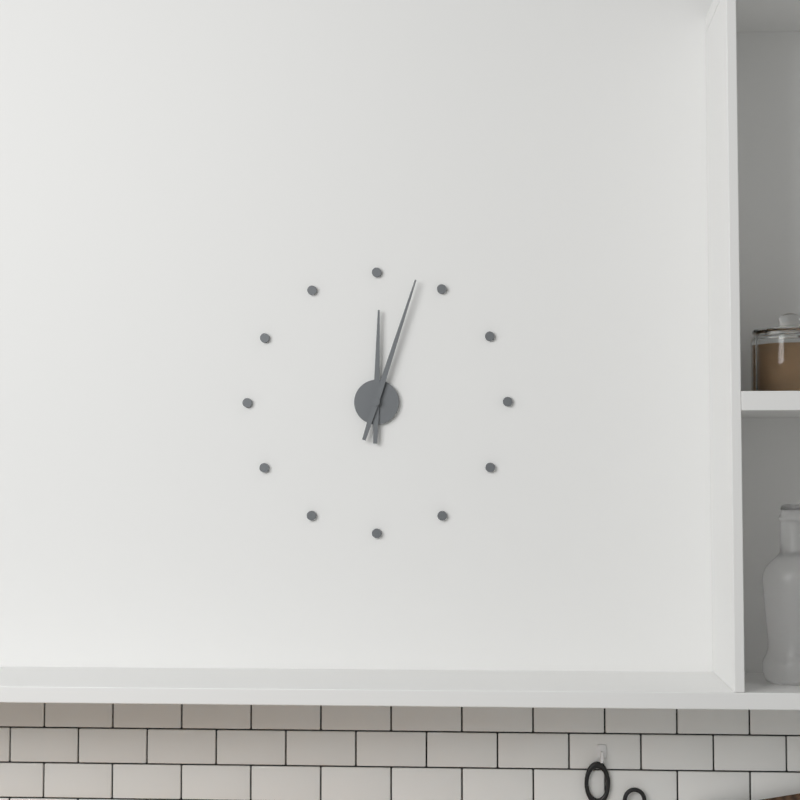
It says 12:03
